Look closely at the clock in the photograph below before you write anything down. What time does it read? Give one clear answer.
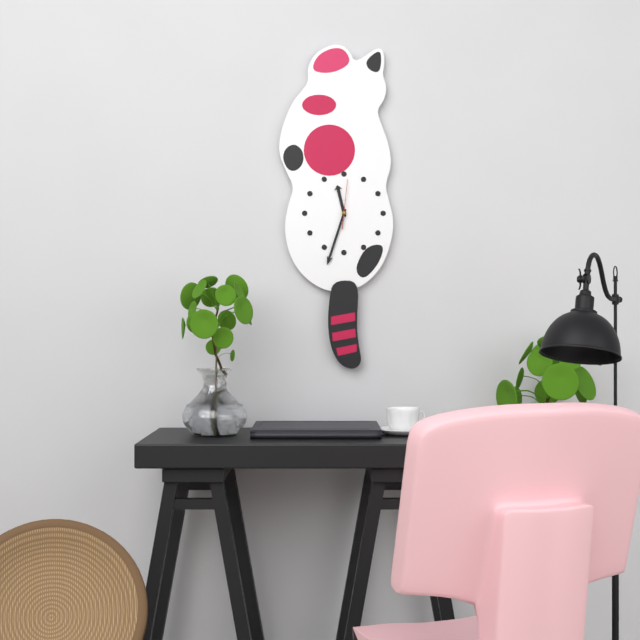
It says 11:33
